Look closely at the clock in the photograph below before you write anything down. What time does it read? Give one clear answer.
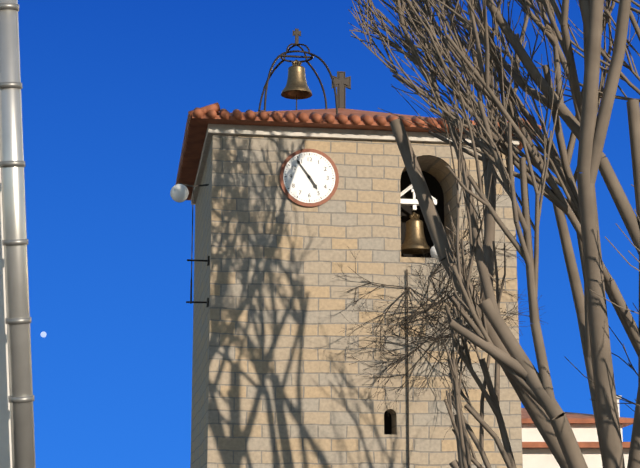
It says 4:54
